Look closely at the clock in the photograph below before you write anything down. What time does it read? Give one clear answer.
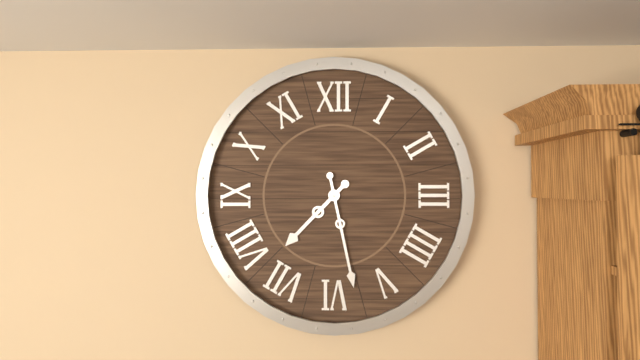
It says 7:28
